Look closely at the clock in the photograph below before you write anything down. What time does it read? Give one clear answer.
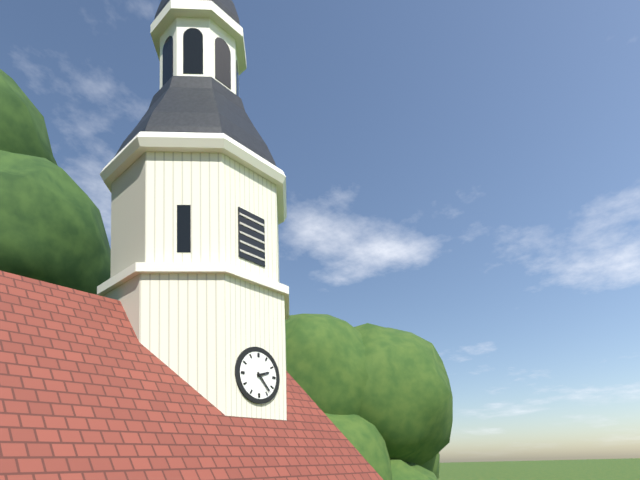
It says 2:23
